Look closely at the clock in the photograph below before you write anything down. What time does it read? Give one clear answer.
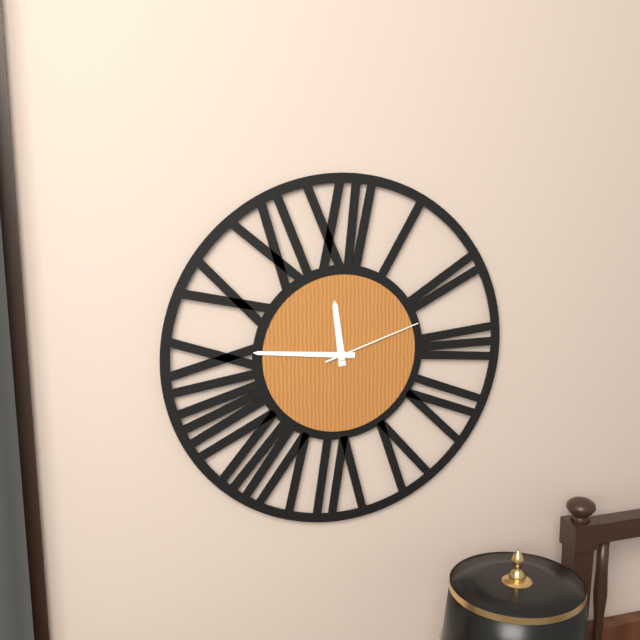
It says 11:46:12
